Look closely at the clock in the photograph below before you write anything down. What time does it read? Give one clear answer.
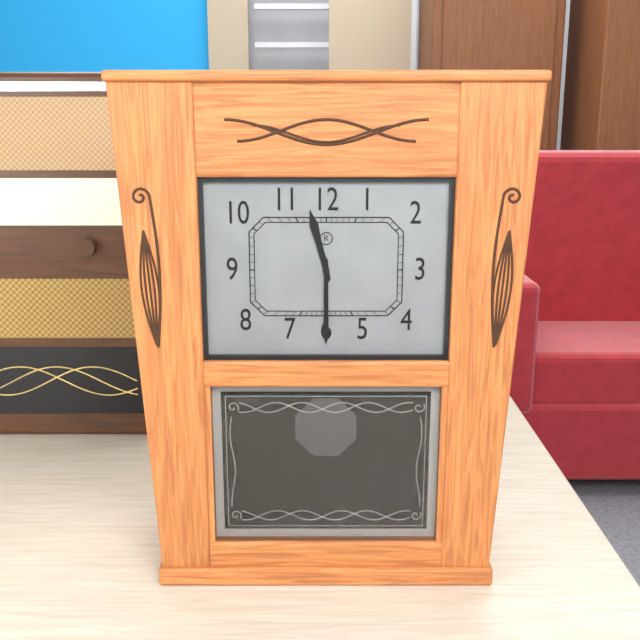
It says 11:30
